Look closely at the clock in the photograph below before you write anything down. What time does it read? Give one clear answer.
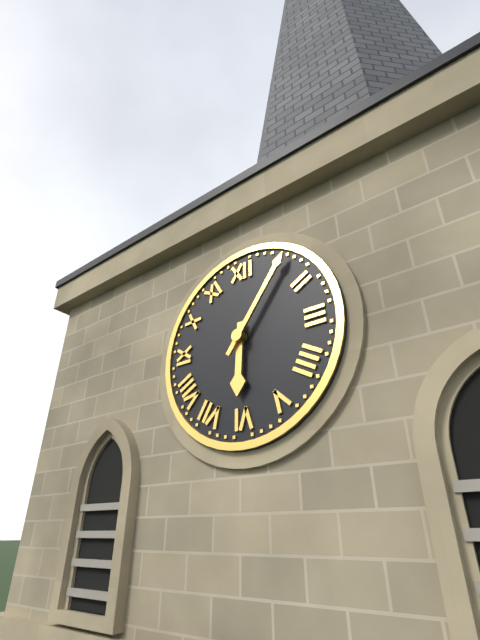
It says 6:06
